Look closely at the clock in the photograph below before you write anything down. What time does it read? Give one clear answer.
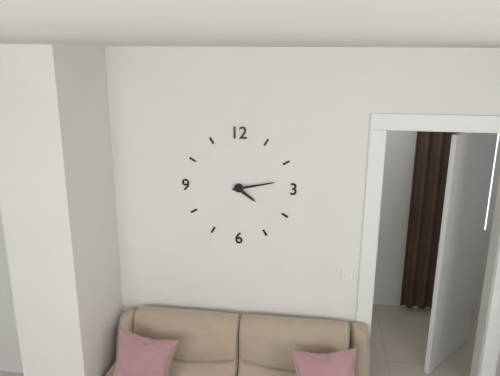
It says 4:13
